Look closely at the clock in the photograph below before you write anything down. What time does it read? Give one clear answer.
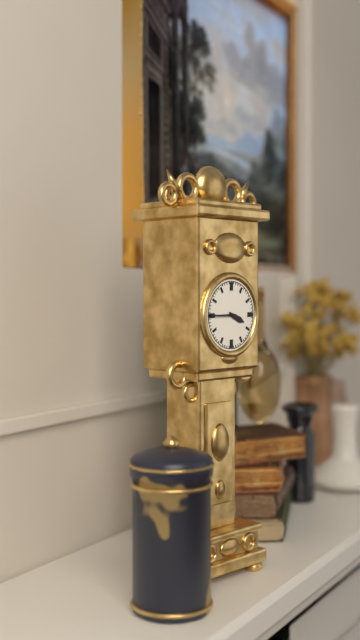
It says 3:45
